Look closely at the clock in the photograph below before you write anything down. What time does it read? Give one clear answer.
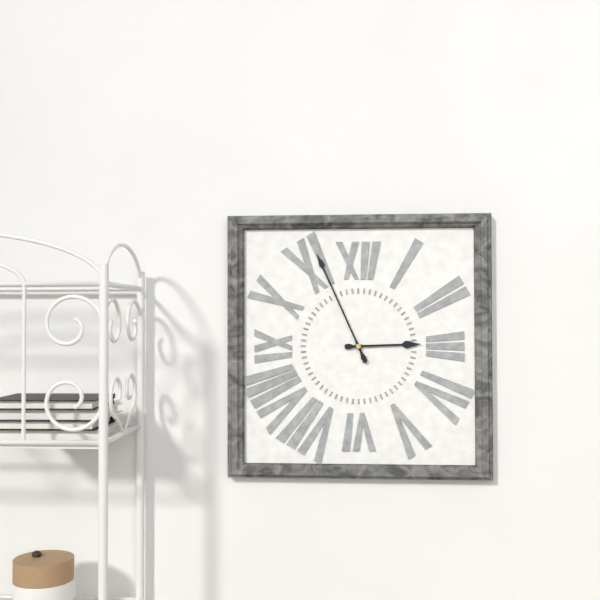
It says 2:56
